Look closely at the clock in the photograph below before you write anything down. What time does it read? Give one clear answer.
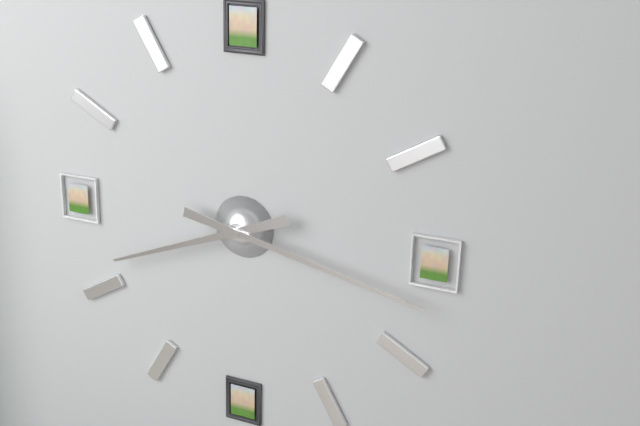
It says 8:17
